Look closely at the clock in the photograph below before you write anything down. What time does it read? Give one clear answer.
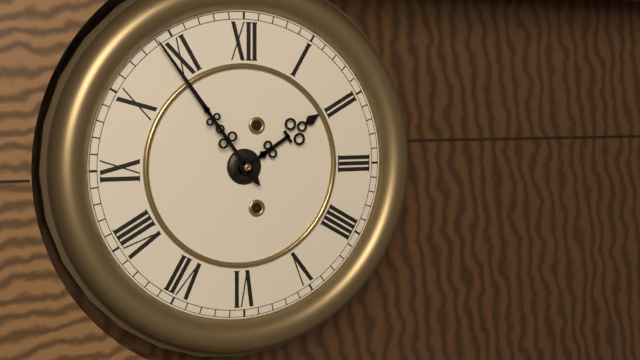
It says 1:54
